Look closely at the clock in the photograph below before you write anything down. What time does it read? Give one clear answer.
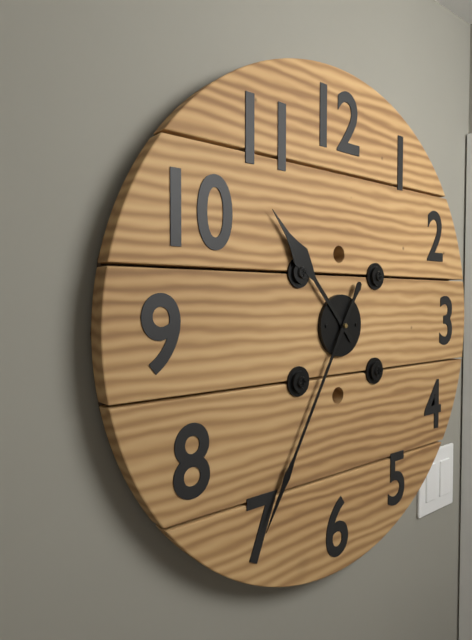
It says 10:35
